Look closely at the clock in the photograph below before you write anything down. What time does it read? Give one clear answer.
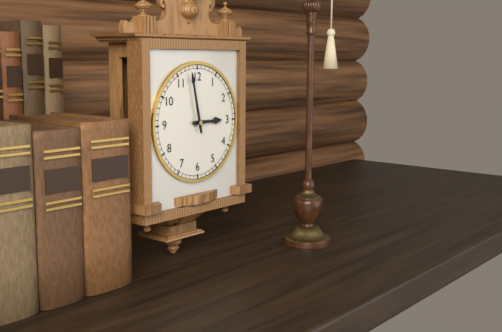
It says 2:58
